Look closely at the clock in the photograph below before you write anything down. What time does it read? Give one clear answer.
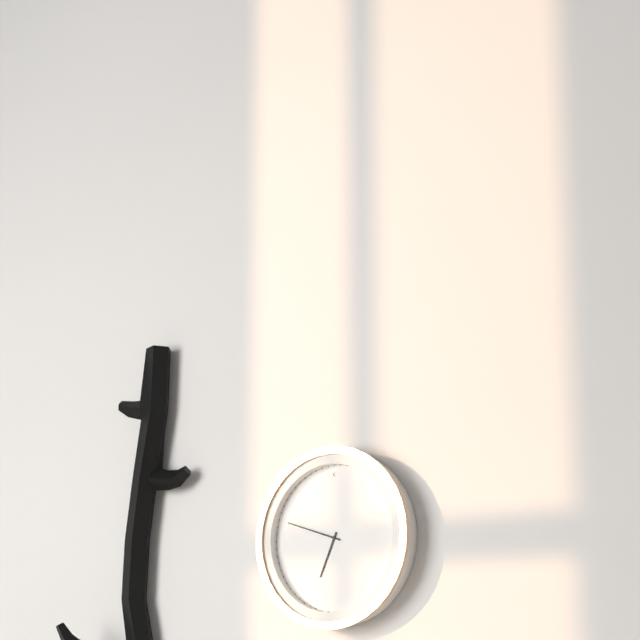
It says 6:48
